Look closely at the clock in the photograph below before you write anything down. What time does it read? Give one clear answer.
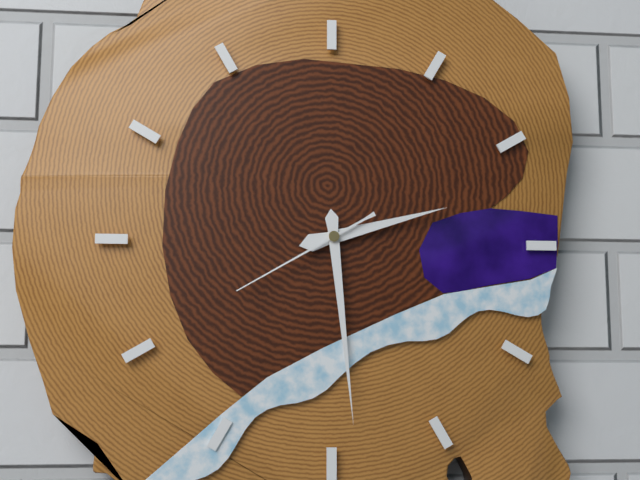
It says 2:29:40
